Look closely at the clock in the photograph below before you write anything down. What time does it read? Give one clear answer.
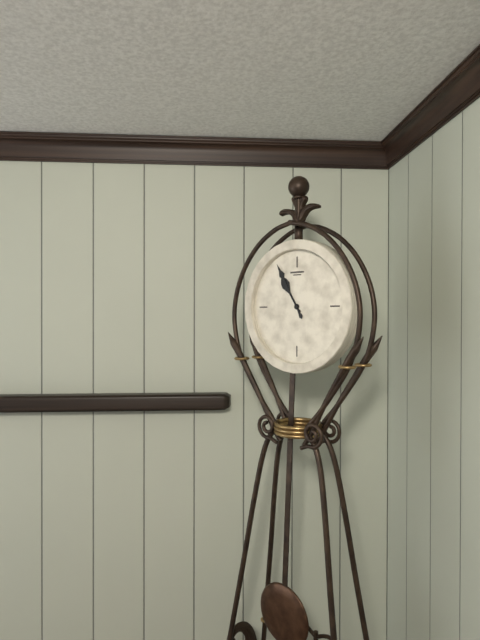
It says 10:55
